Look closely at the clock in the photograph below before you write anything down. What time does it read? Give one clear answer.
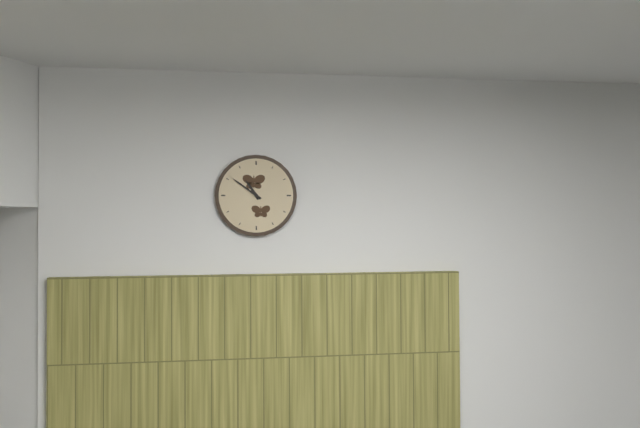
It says 10:51
